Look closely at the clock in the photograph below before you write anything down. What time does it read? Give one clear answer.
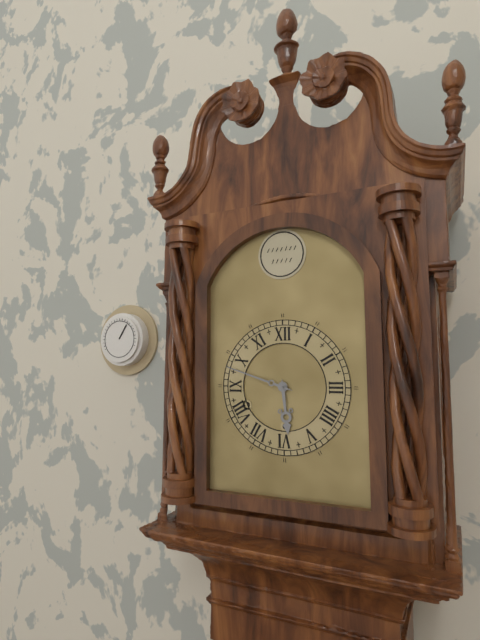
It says 5:48
